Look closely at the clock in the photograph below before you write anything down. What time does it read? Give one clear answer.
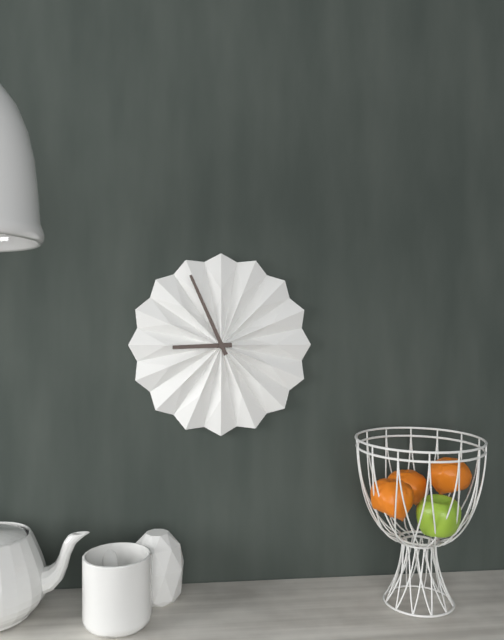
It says 8:56
